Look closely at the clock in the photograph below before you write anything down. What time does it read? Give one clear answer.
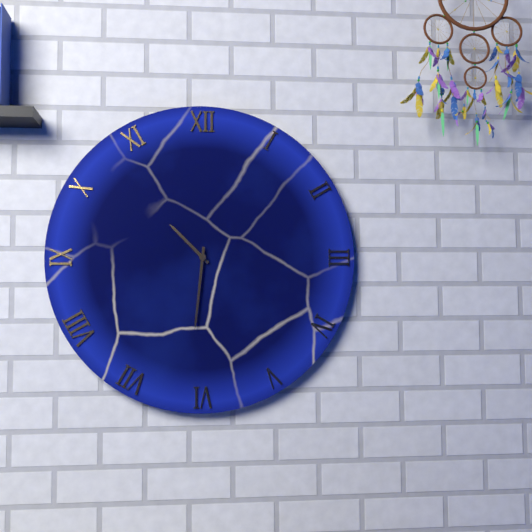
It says 10:31
